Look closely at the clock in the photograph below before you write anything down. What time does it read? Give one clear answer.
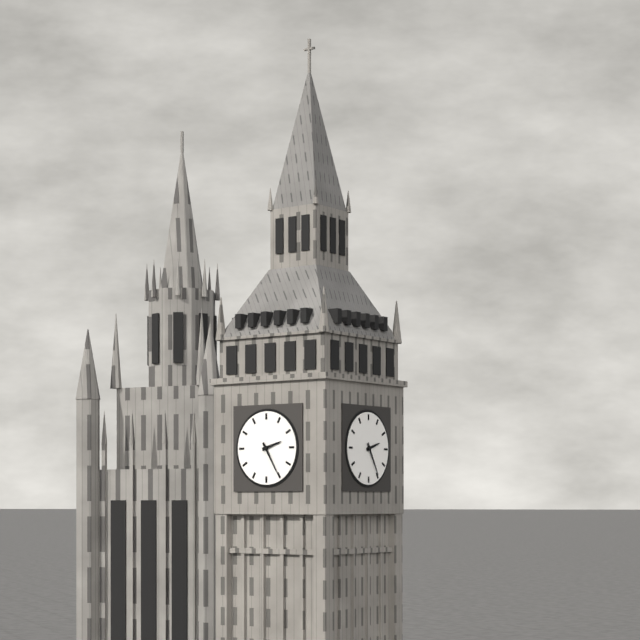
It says 2:25
